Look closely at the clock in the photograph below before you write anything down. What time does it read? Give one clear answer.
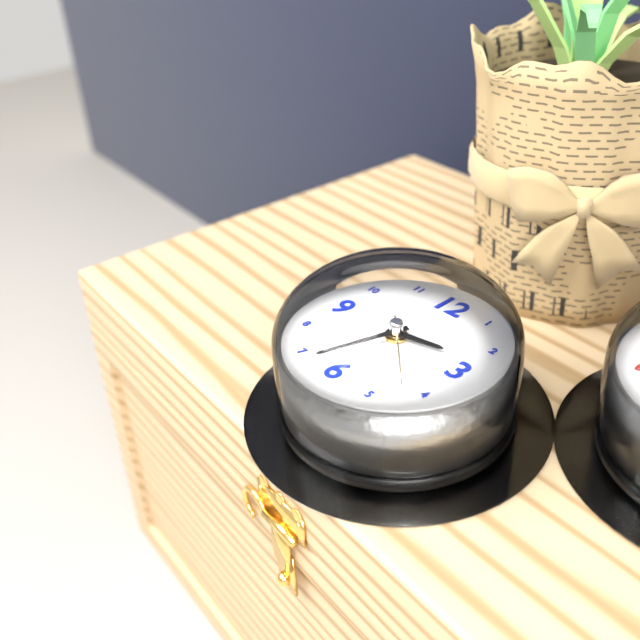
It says 2:33:22
